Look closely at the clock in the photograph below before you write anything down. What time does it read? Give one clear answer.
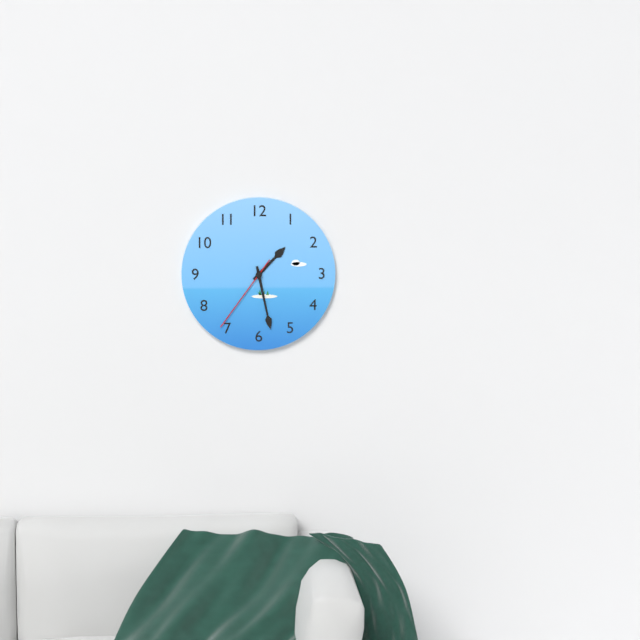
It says 1:28:36
